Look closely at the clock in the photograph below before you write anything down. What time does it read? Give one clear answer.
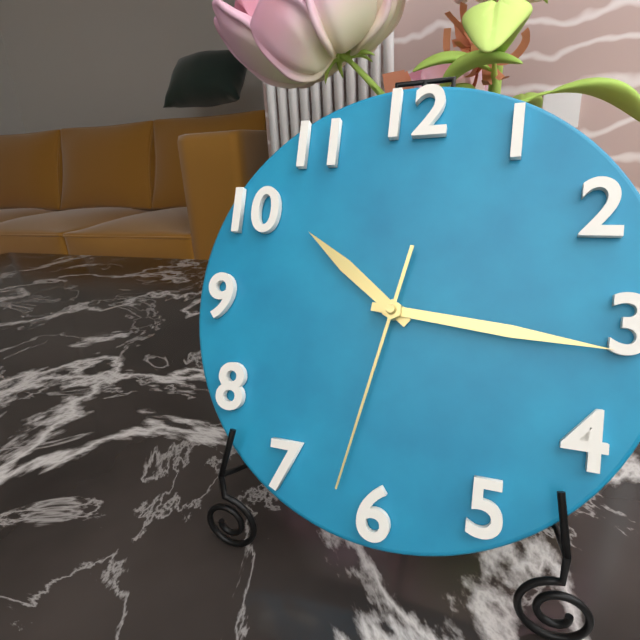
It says 10:16:32
